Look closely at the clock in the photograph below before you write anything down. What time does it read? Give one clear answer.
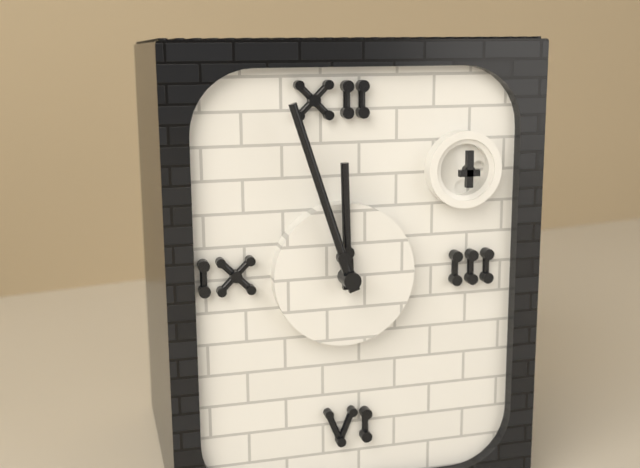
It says 11:57
